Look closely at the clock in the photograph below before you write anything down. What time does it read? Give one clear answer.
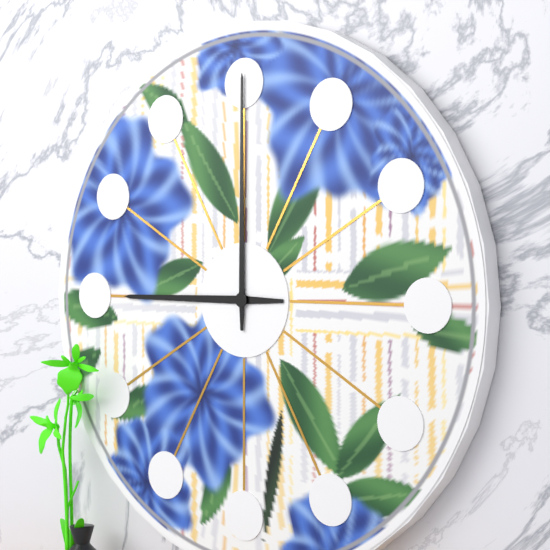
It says 9:00
